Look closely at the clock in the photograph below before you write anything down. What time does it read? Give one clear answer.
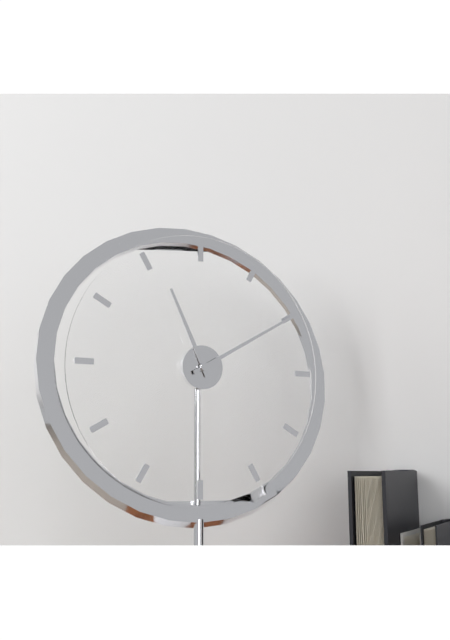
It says 11:10
